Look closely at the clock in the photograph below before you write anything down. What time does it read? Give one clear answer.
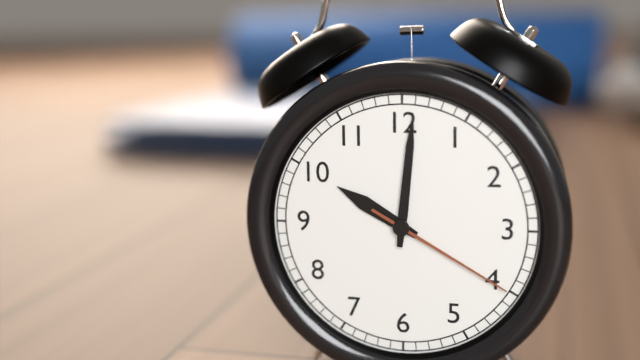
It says 10:01:20
